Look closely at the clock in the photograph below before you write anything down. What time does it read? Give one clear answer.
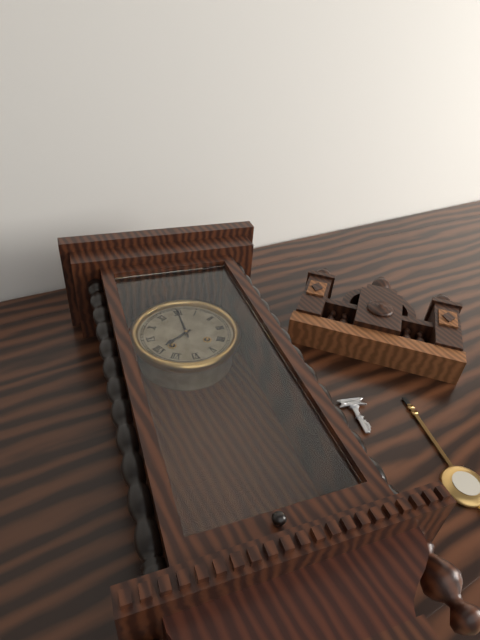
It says 8:00
